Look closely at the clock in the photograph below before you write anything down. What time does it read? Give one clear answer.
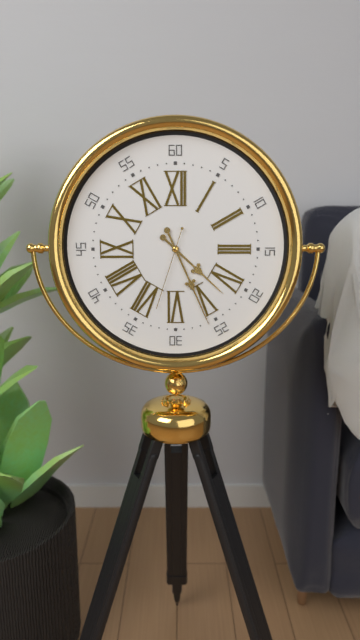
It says 4:26:33
